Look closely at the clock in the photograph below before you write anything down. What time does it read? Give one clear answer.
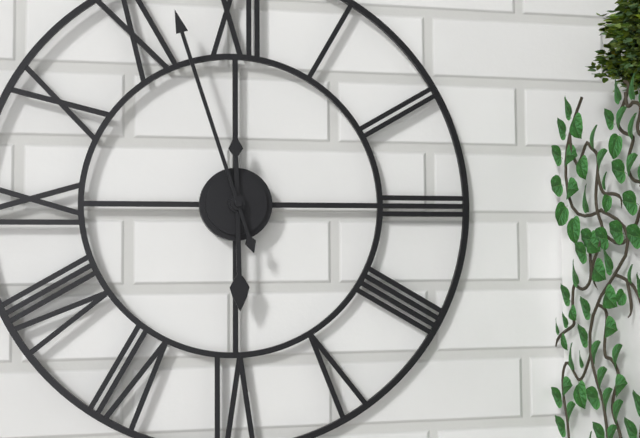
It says 5:57
